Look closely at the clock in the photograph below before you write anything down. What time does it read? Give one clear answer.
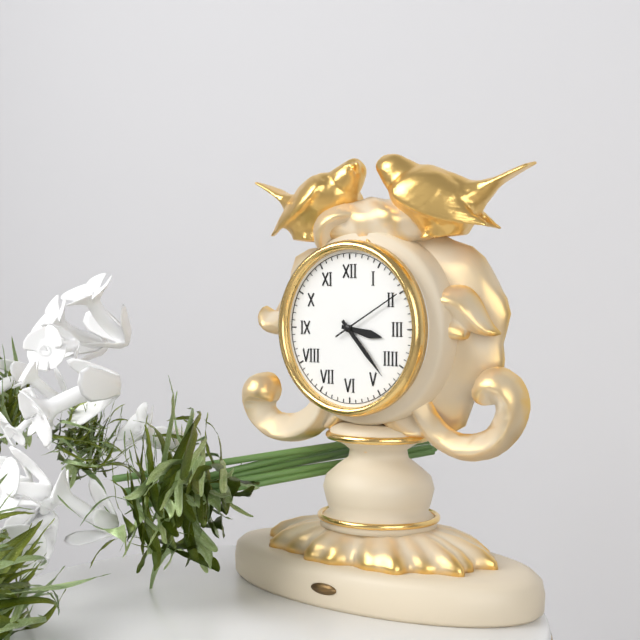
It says 3:23:10
